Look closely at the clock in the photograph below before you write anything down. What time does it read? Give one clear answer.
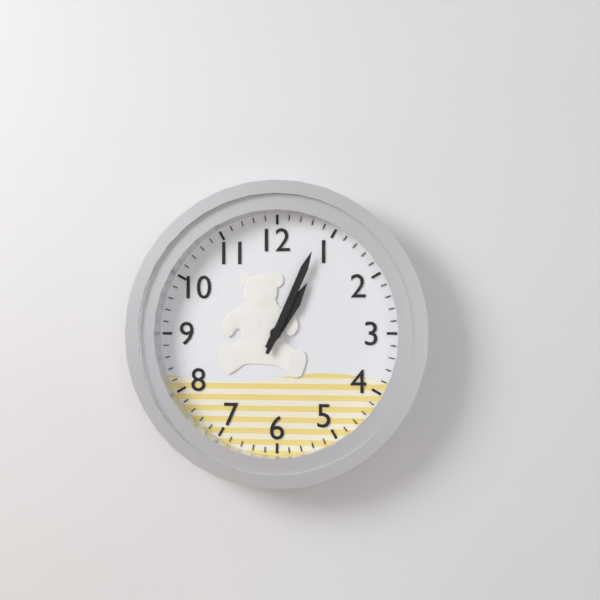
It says 1:04
